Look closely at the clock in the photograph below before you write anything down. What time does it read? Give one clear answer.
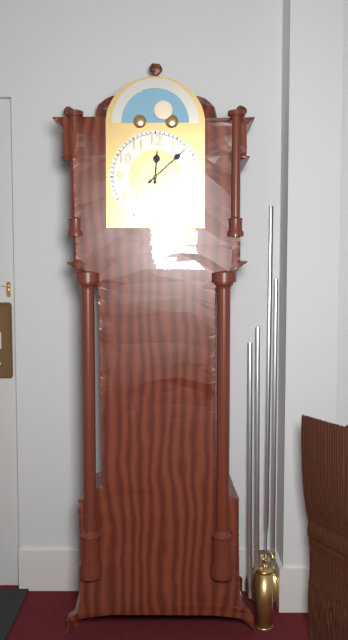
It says 12:08
